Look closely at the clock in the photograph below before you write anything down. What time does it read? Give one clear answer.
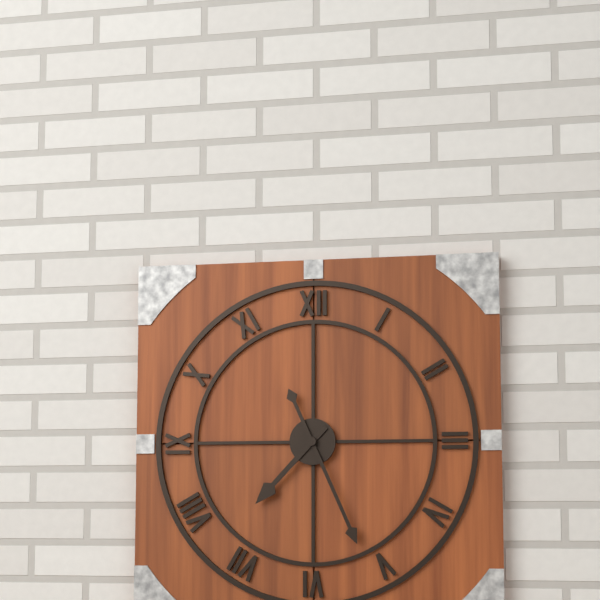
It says 7:26
